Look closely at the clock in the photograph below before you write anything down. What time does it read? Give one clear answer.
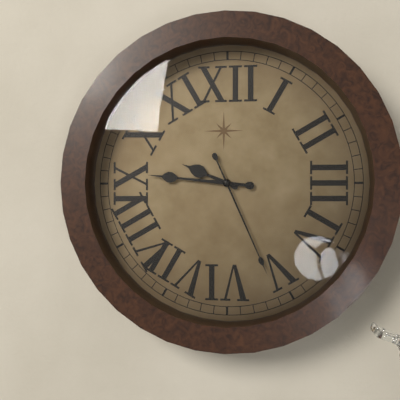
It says 9:46:26
